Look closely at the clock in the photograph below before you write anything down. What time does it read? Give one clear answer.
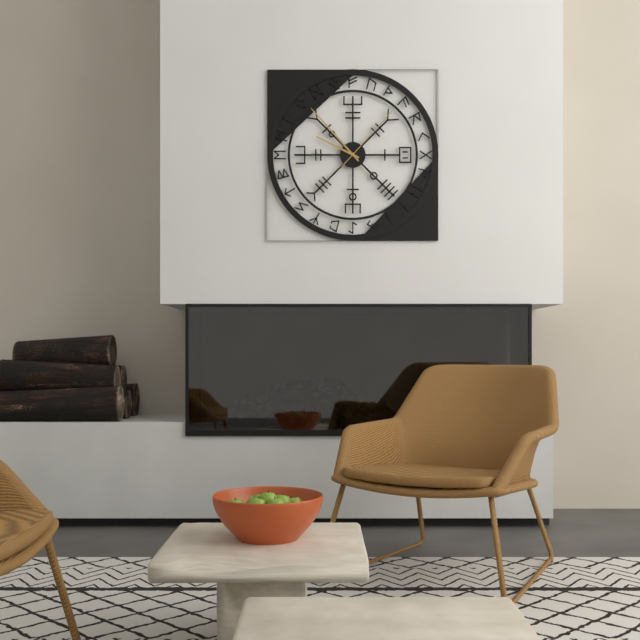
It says 9:53:07
